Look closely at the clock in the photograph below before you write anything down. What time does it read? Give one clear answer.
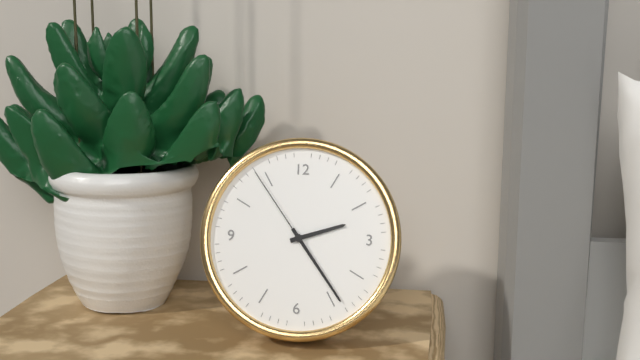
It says 2:24:54
